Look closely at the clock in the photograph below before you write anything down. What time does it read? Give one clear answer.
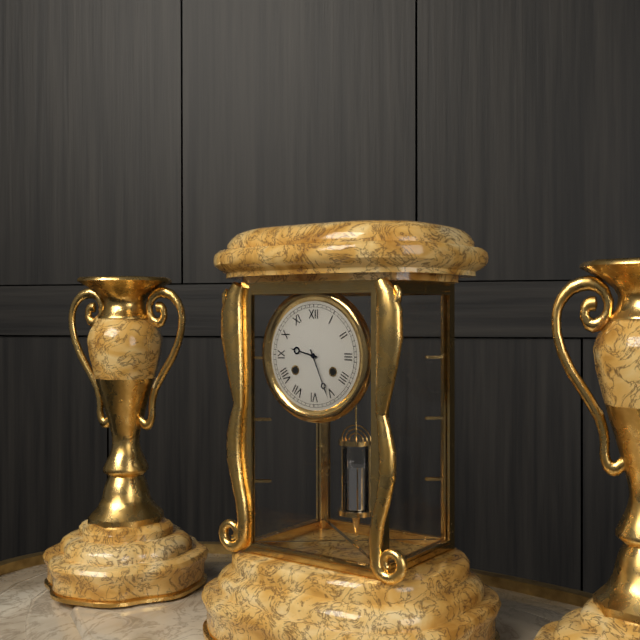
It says 9:26
